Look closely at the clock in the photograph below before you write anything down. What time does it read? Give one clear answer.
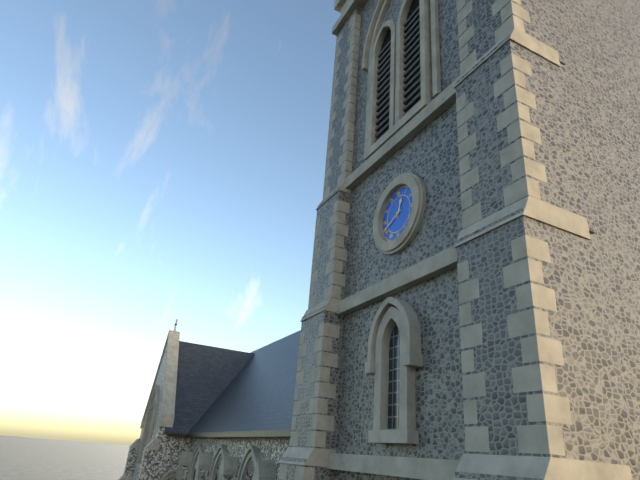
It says 12:41
